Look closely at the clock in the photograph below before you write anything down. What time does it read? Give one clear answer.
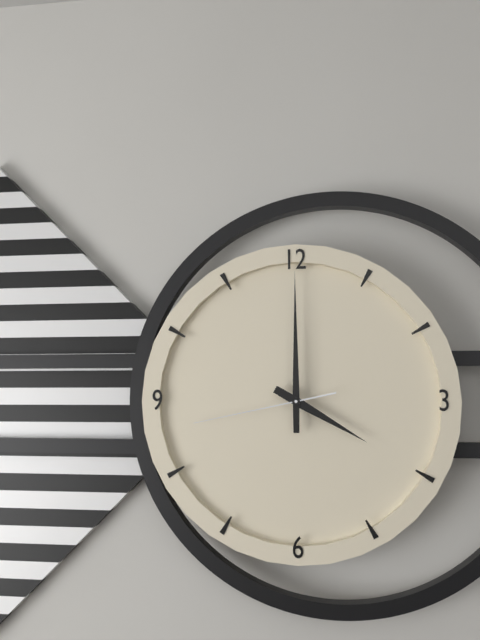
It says 4:00:43
